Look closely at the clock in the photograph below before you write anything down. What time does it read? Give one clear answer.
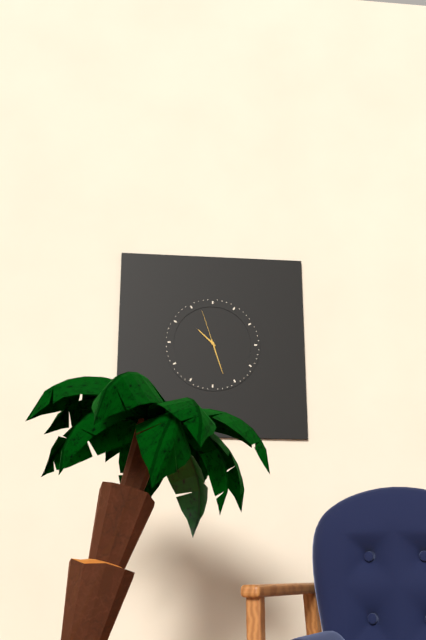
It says 10:27
